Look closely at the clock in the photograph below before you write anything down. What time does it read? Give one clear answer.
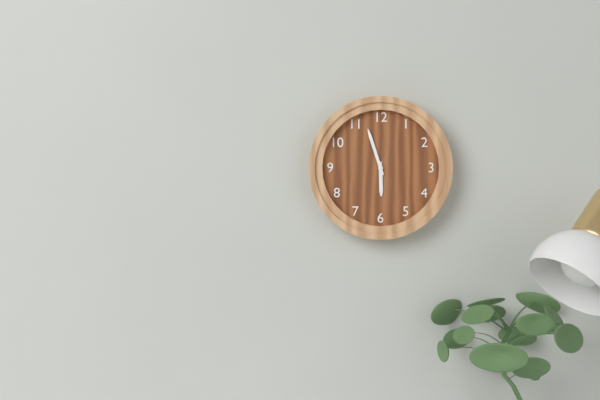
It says 5:57
